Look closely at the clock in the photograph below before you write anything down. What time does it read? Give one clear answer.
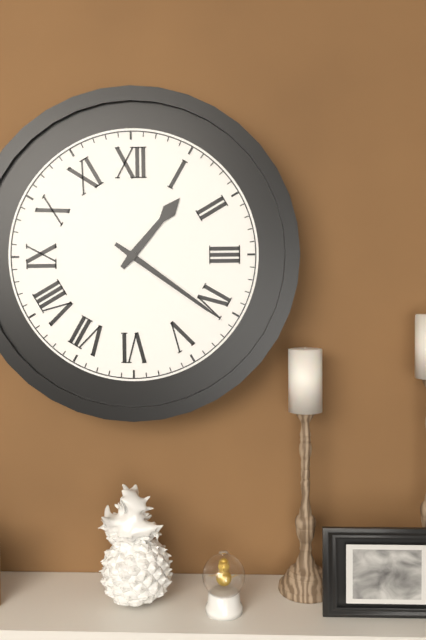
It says 1:21
